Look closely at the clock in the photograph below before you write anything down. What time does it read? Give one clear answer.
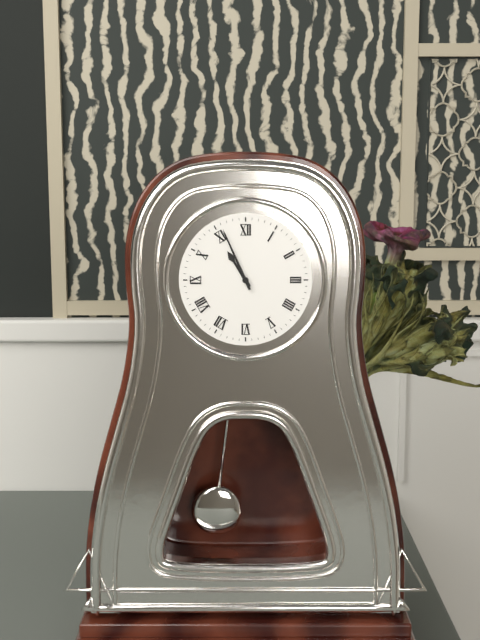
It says 10:56
